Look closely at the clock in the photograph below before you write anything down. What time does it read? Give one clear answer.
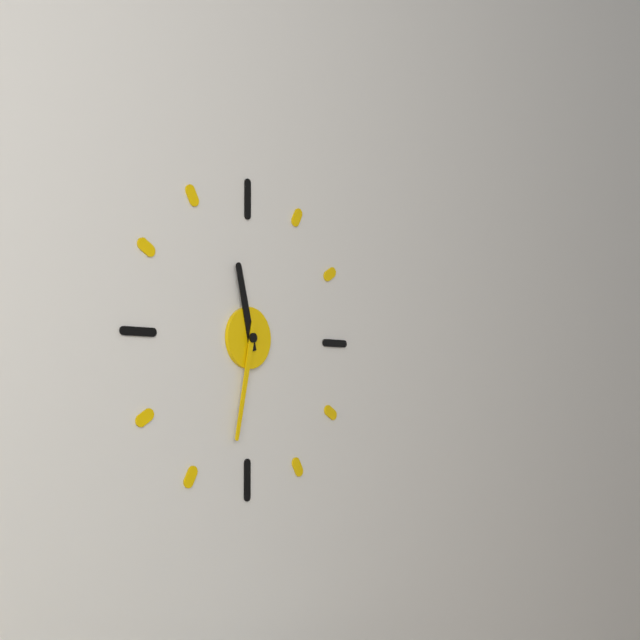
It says 11:32
